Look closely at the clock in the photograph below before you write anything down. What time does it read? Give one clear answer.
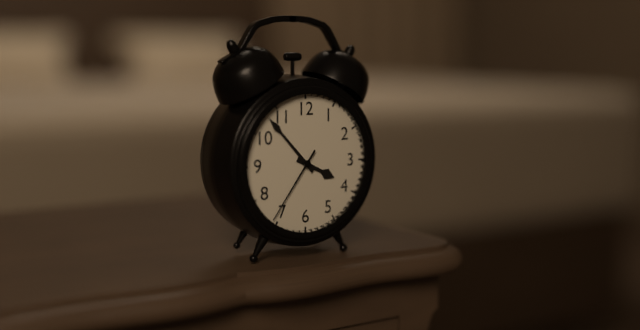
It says 3:53:36
